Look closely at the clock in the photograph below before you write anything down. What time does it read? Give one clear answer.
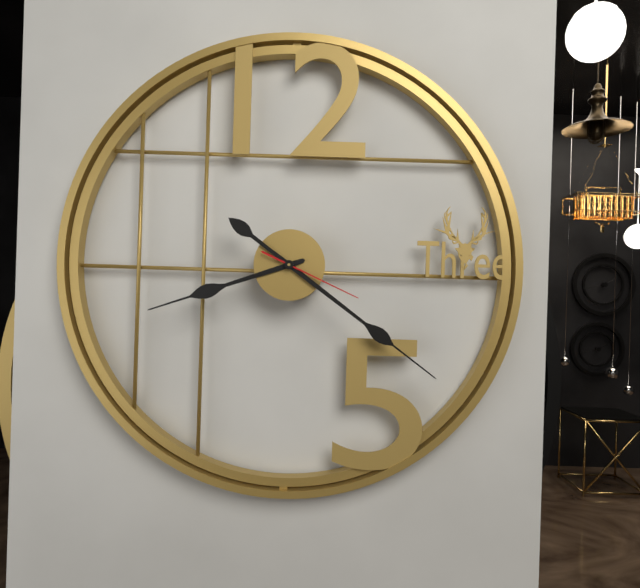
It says 8:21:19
